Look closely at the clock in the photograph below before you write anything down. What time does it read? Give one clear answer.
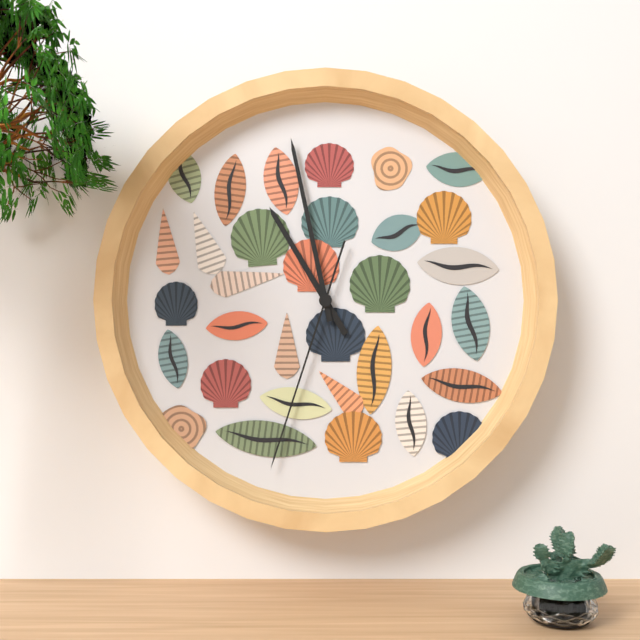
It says 10:58:33
